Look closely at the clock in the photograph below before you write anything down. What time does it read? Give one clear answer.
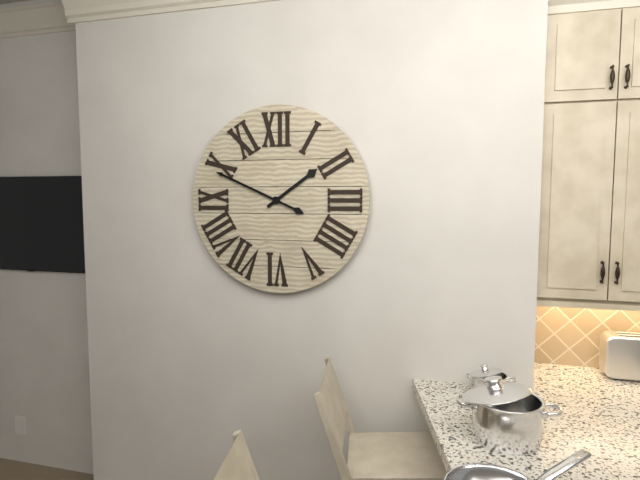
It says 1:49
